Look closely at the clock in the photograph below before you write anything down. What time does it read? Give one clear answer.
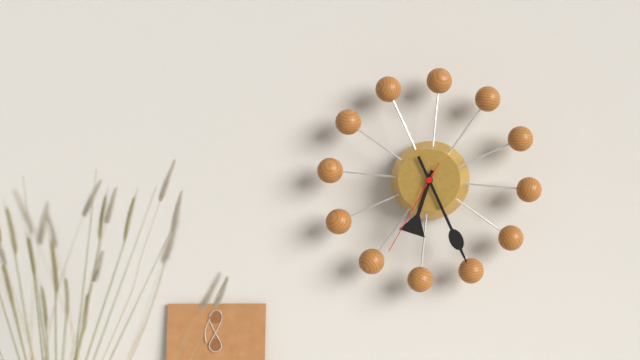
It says 6:25:34
